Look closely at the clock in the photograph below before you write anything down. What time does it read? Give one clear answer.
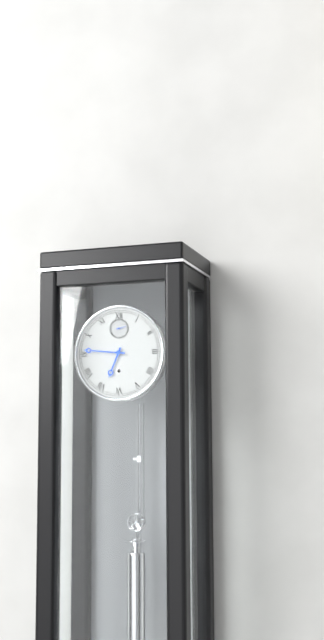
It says 6:46
